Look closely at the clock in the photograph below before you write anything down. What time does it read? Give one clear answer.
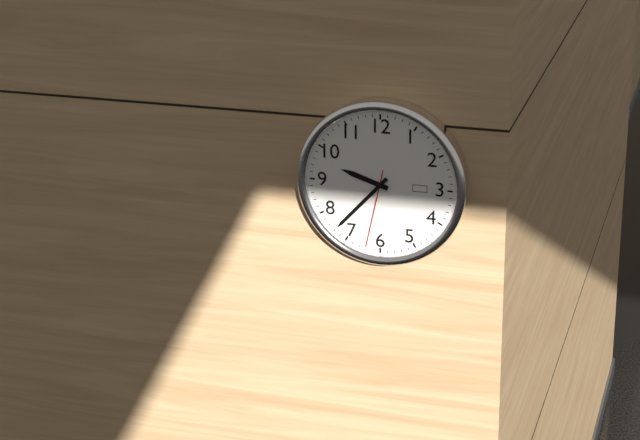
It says 9:37:32
